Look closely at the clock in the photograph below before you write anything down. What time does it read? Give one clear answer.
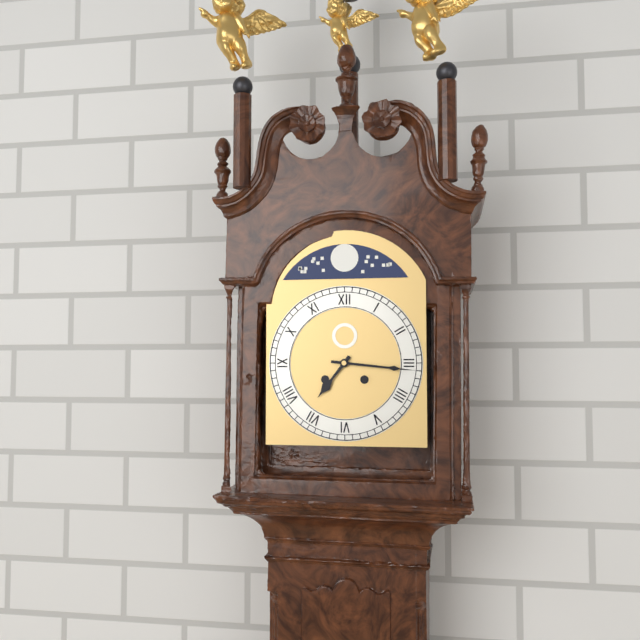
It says 7:16
